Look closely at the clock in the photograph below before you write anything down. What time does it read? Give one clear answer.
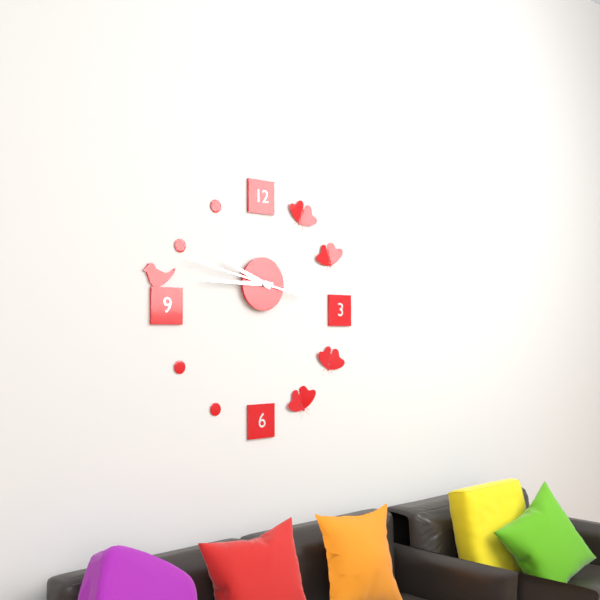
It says 9:45:47
